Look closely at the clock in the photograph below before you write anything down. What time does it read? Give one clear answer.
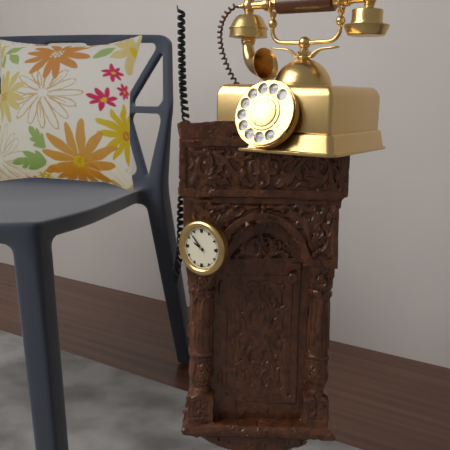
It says 9:53
